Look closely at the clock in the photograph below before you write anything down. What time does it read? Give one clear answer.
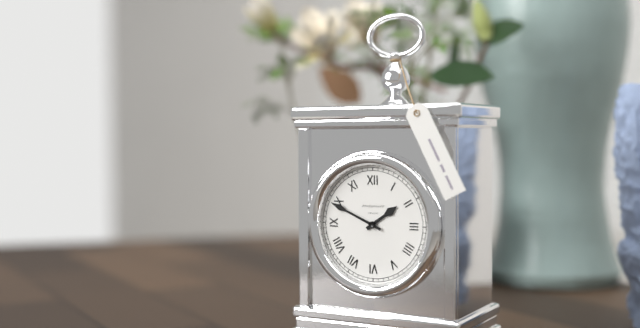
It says 1:49
